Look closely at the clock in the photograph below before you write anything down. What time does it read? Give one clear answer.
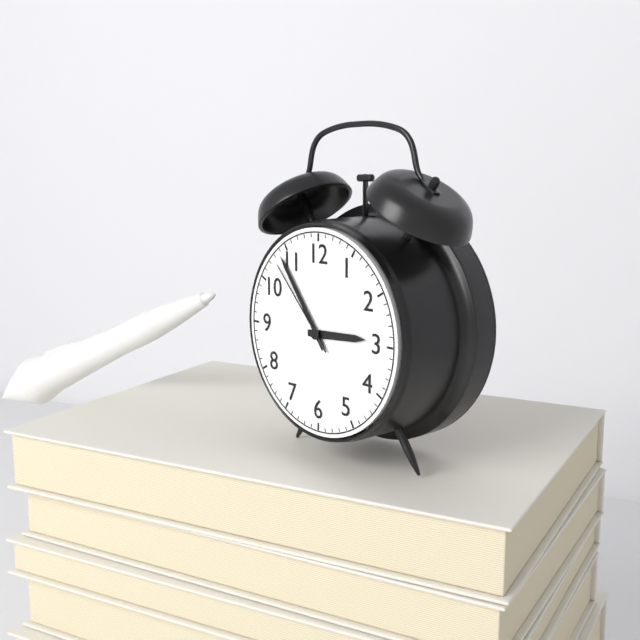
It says 2:54:53
